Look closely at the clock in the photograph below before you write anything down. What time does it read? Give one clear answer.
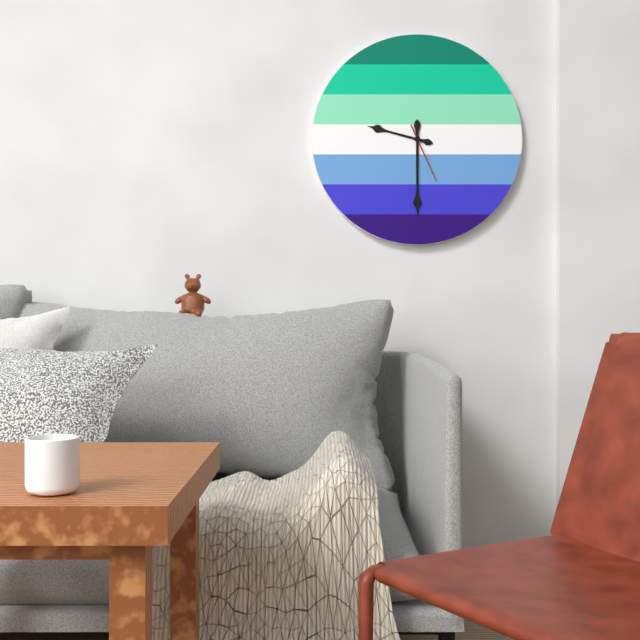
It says 9:30:26
